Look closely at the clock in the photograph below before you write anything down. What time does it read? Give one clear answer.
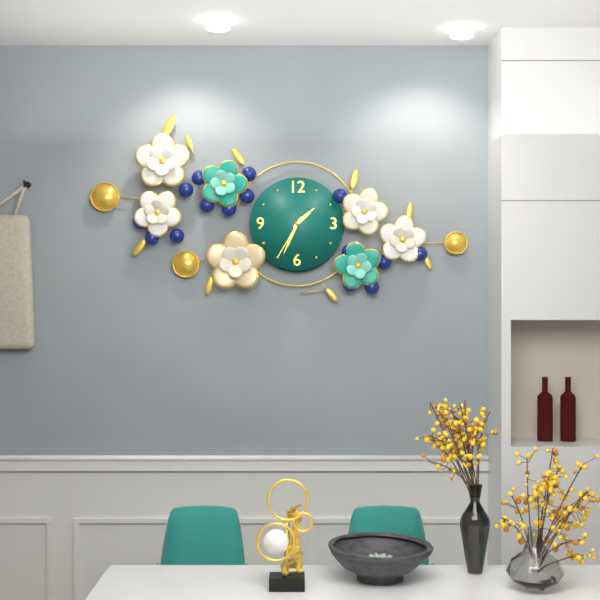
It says 1:34
